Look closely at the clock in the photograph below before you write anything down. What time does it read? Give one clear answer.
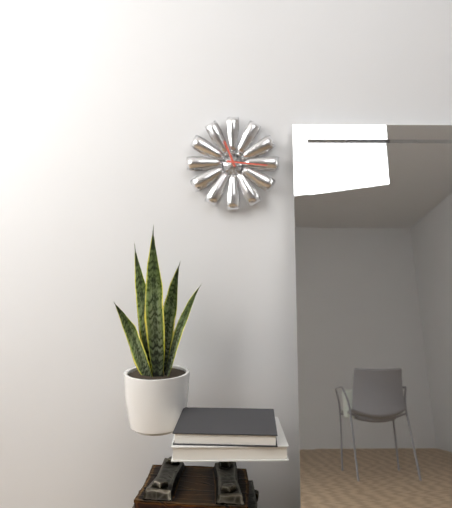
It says 11:16
